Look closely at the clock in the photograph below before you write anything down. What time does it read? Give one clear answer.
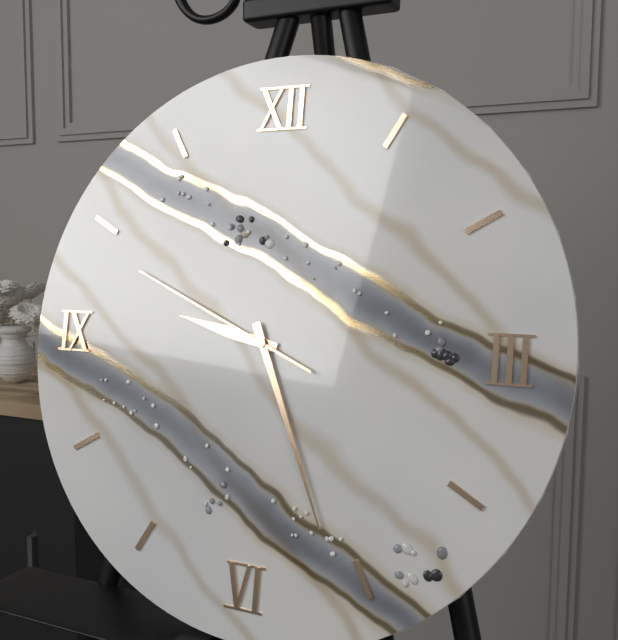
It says 9:26:49
